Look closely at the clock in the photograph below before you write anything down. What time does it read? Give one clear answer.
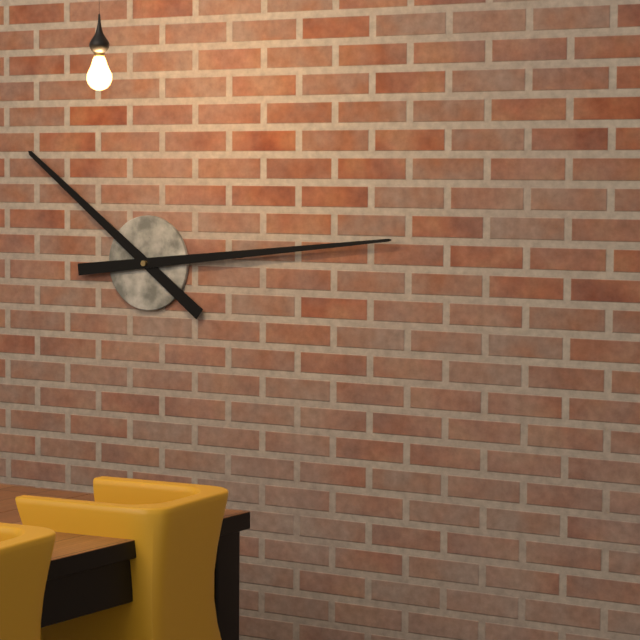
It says 10:14
